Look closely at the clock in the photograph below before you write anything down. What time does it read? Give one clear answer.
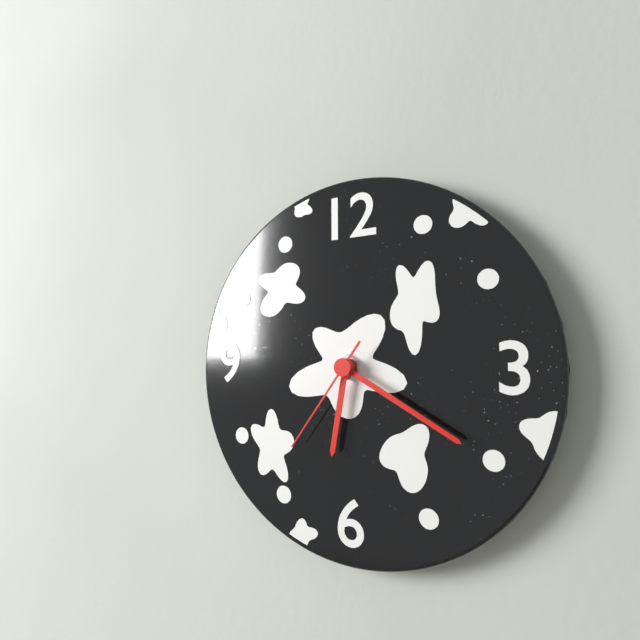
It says 6:20:36
